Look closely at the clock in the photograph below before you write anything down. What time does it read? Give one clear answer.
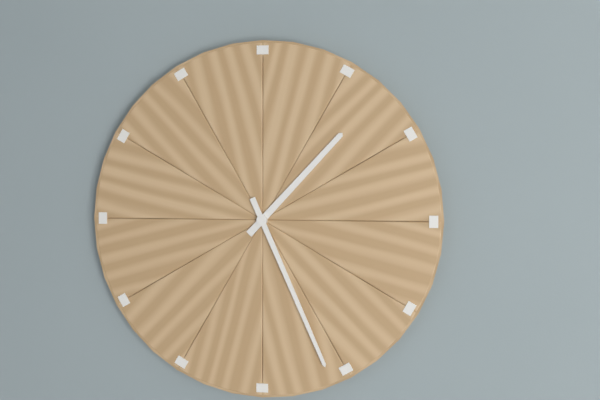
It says 1:26
